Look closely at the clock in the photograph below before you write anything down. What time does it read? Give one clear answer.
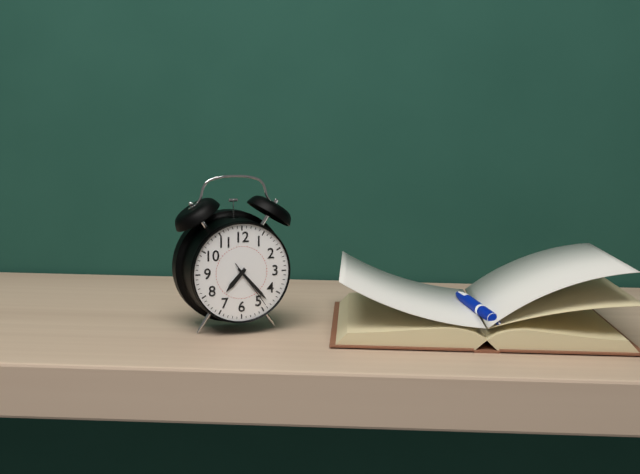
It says 7:23:24
